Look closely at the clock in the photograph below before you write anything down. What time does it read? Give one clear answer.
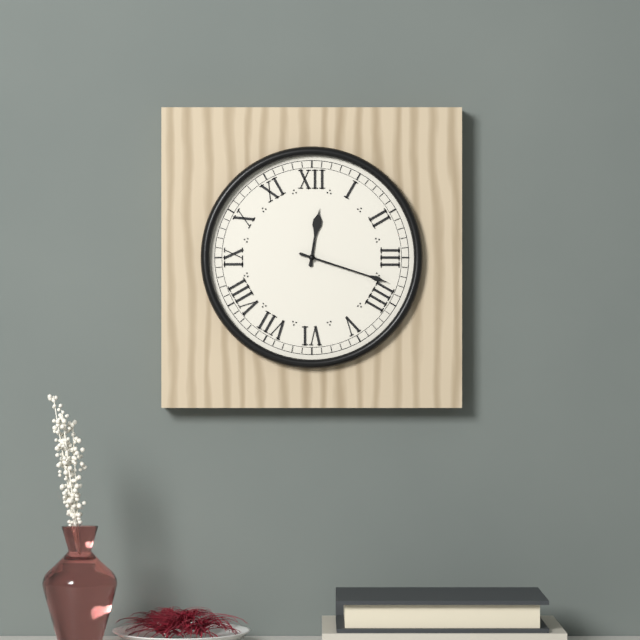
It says 12:18
